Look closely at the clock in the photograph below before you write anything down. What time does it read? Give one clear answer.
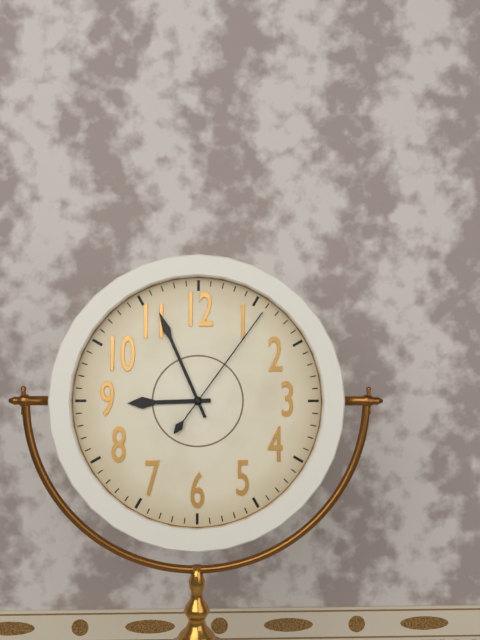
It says 8:56:06
